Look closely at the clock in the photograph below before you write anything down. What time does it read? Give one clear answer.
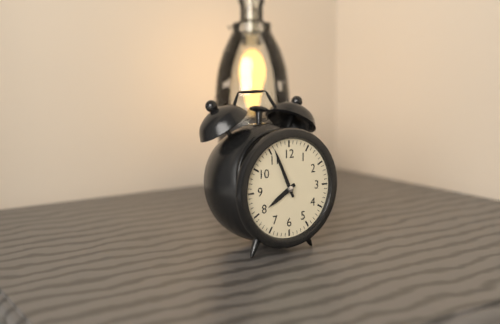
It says 7:56
